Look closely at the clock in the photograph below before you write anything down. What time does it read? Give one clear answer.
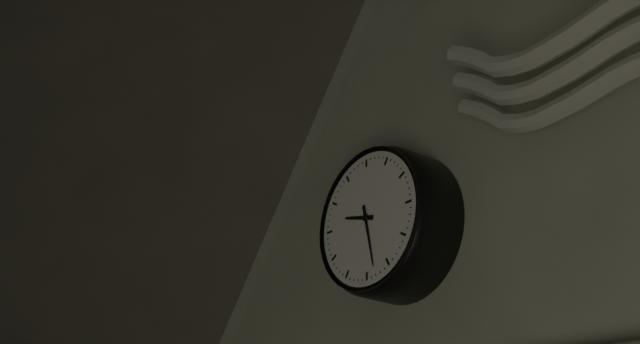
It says 9:28
